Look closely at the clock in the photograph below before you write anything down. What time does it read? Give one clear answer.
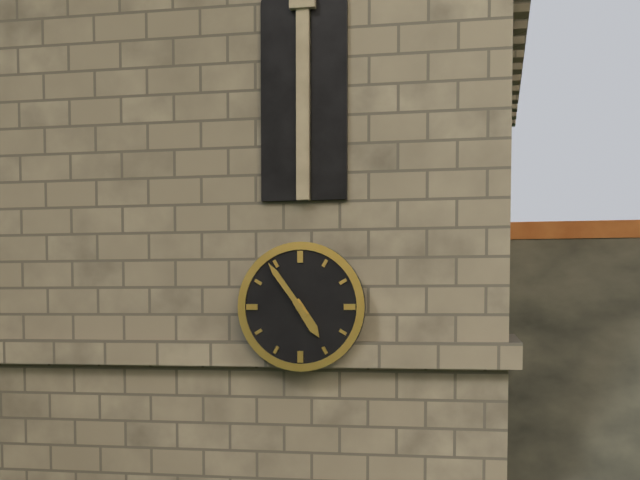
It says 4:54
